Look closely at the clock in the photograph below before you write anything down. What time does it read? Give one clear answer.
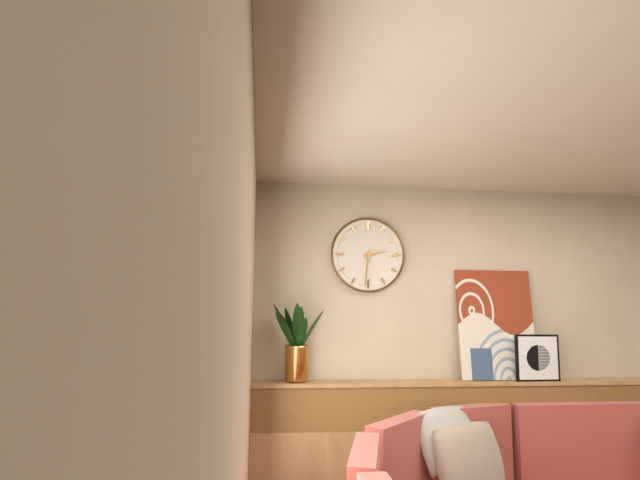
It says 2:31
